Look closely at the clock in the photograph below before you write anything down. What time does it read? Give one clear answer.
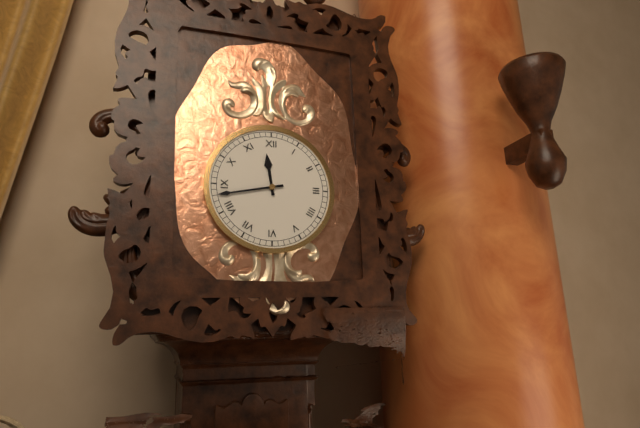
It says 11:43
